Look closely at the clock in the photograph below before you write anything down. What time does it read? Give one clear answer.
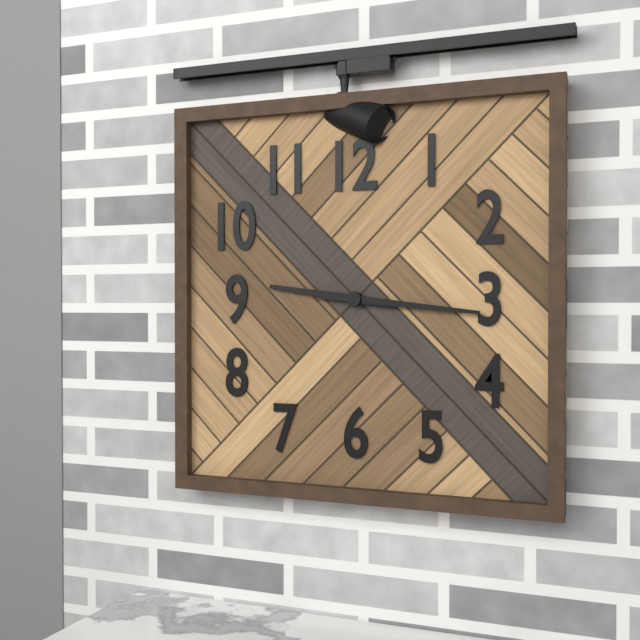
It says 9:16
